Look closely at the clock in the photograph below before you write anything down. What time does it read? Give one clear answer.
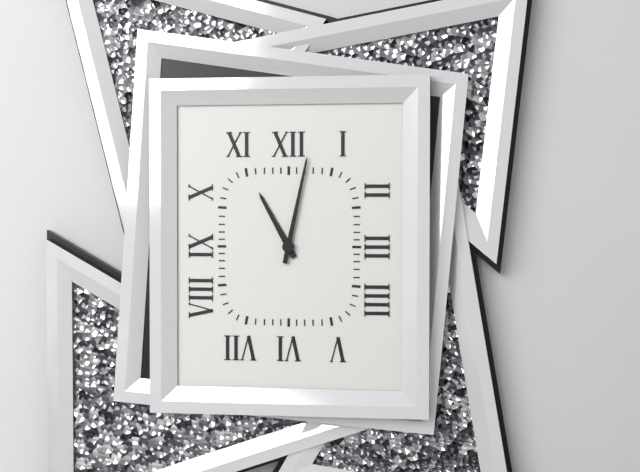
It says 11:02
